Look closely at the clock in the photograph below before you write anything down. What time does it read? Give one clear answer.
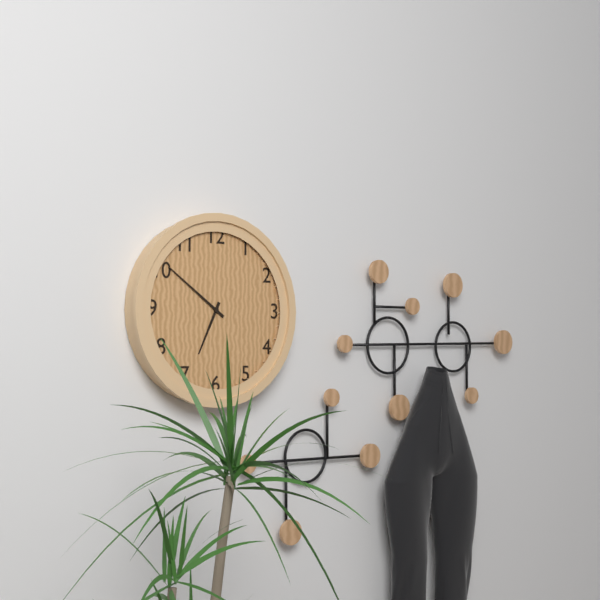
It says 6:51
